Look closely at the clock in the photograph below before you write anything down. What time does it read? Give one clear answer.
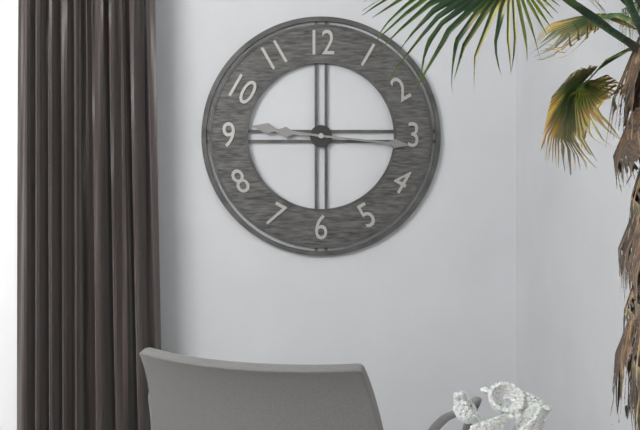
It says 9:16
